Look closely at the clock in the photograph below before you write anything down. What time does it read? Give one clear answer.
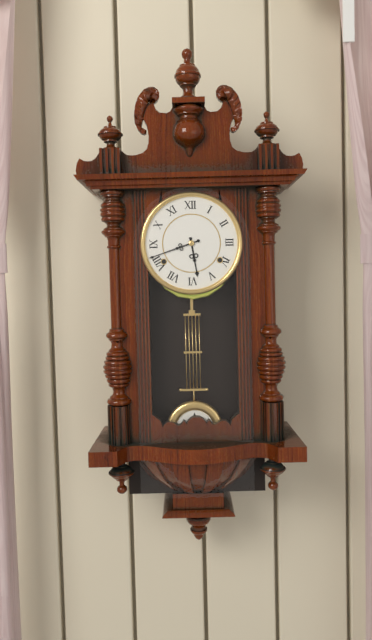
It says 5:42
